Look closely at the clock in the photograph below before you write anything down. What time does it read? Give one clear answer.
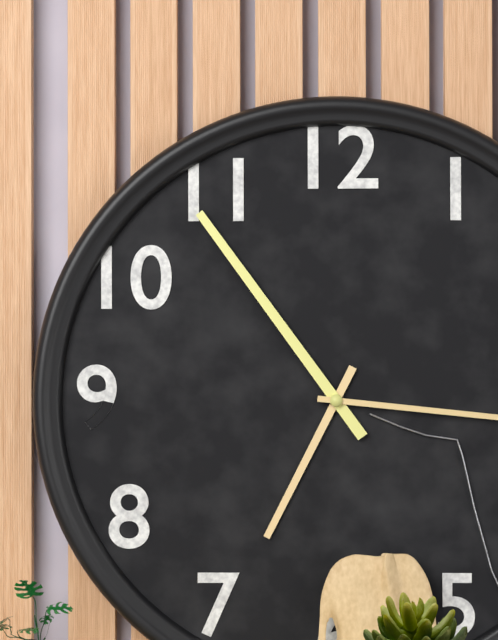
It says 6:54
